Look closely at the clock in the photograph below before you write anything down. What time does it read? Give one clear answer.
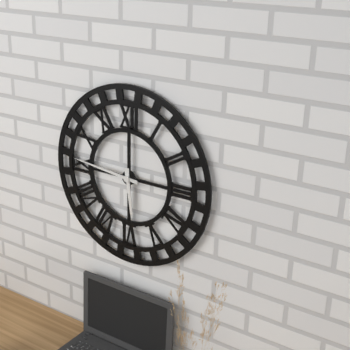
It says 5:46
